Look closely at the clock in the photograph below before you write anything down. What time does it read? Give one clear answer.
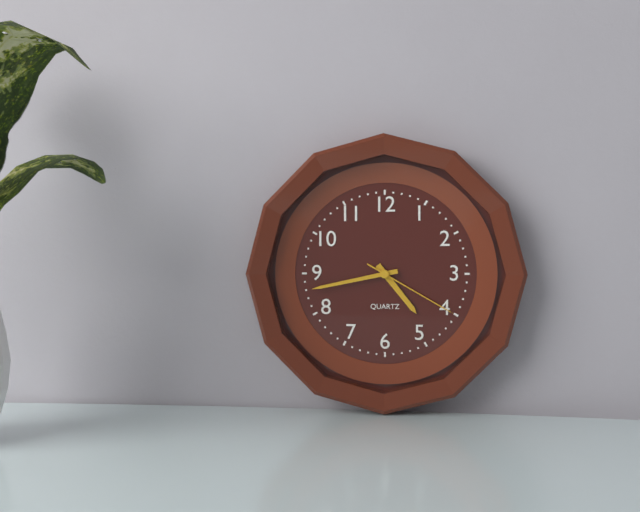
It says 4:43:20
